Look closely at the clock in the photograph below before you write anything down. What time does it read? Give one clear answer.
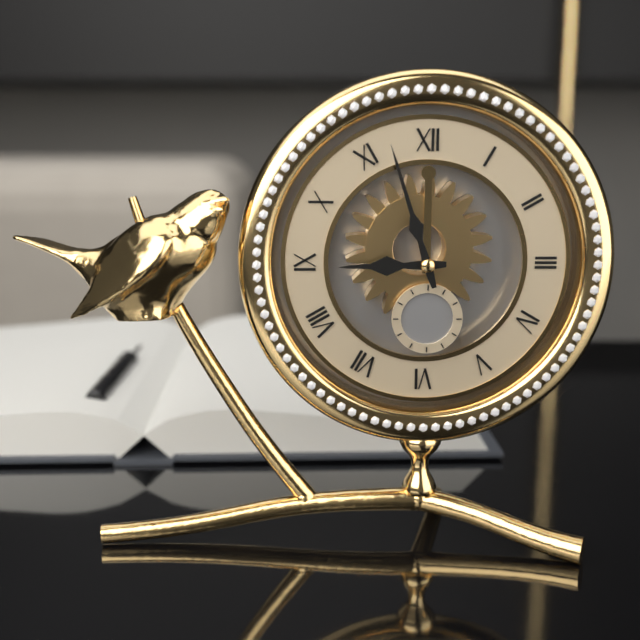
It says 8:57
